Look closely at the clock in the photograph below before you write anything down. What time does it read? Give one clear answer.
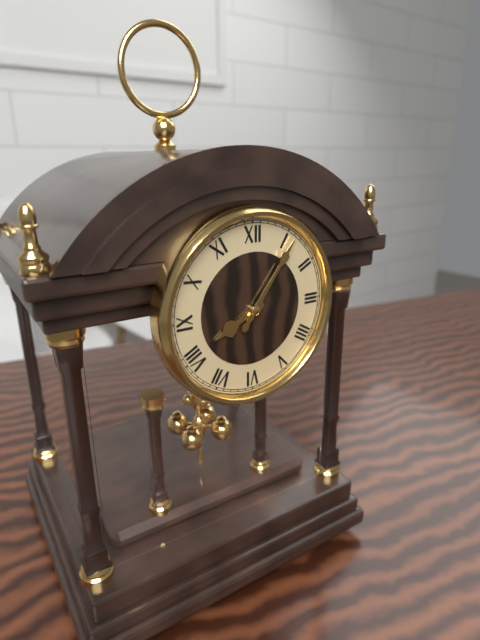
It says 8:06
